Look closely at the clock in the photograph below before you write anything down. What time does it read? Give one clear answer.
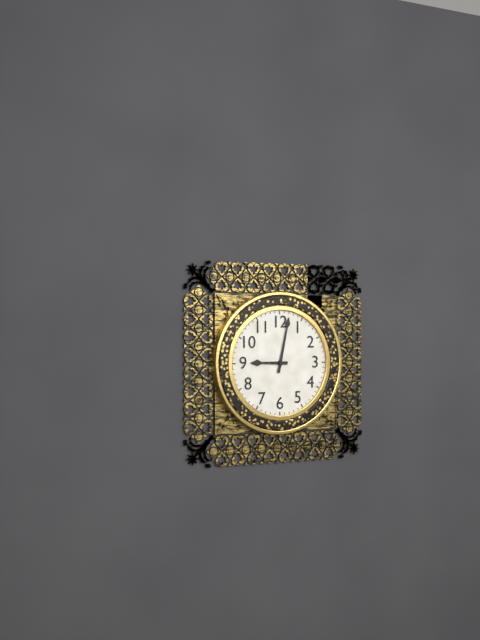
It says 9:02
